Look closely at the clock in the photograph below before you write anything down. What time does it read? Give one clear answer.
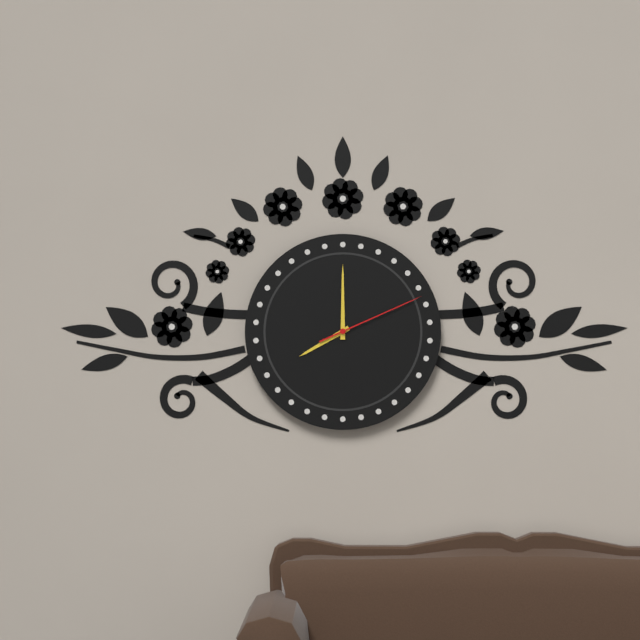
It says 8:00:11
